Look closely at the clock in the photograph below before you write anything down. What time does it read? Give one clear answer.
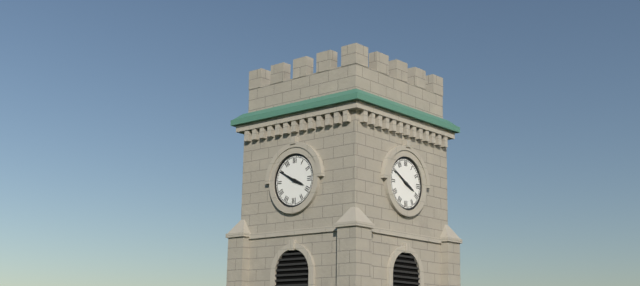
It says 3:50
